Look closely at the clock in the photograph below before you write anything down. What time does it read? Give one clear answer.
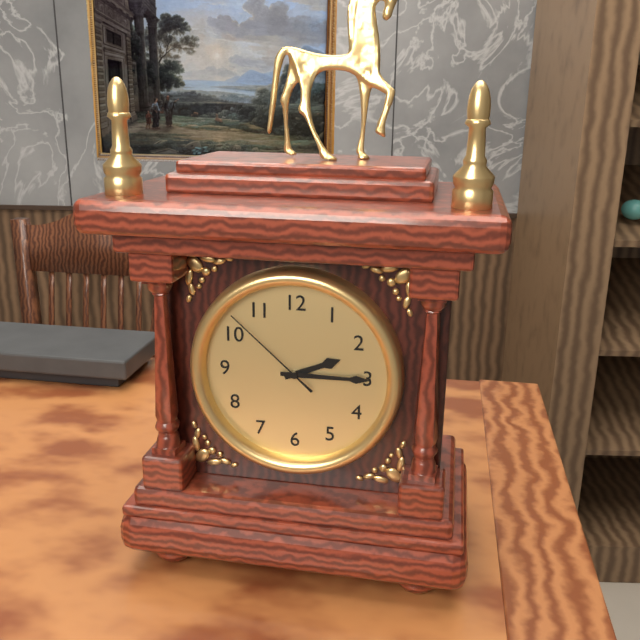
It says 2:15:52
